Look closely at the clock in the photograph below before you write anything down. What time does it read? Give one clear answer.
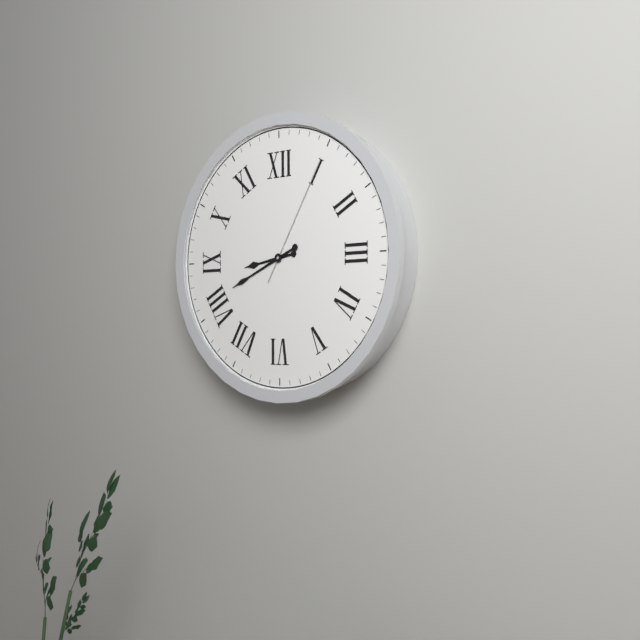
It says 8:41:05
